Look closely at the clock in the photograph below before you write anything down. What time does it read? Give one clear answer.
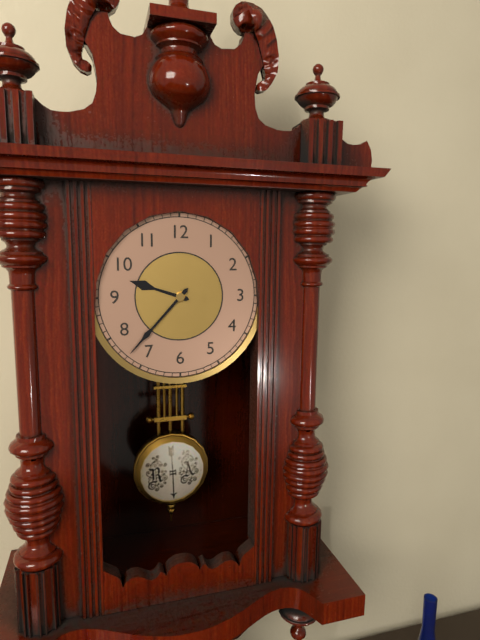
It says 9:37
